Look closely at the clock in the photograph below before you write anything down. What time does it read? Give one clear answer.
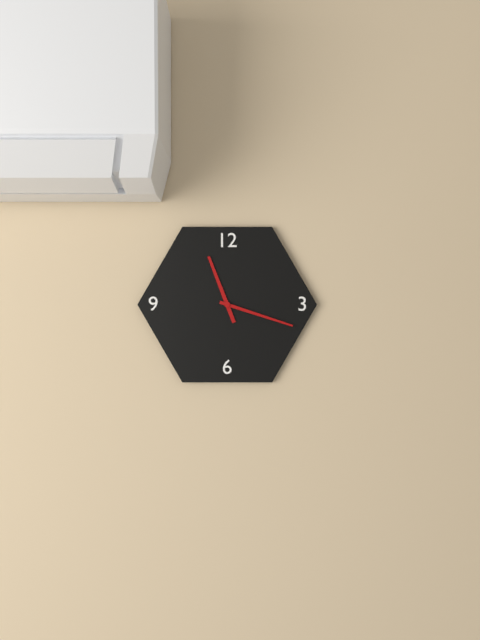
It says 11:18
